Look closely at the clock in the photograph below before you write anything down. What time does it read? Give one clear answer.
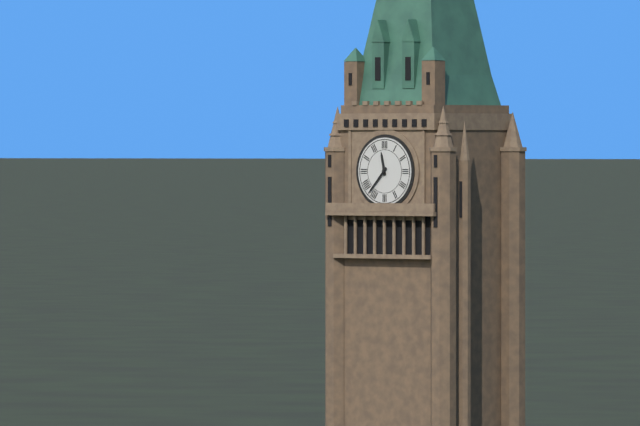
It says 11:37
